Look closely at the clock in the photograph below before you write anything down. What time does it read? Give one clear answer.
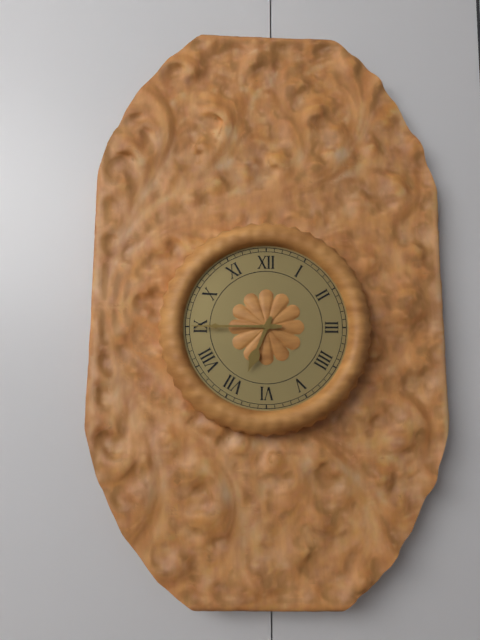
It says 6:45
